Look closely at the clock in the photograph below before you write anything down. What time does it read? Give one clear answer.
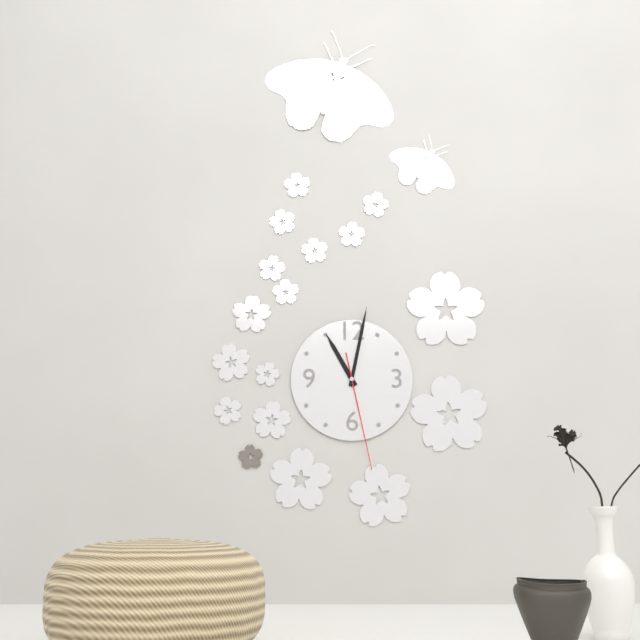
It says 11:02:28
